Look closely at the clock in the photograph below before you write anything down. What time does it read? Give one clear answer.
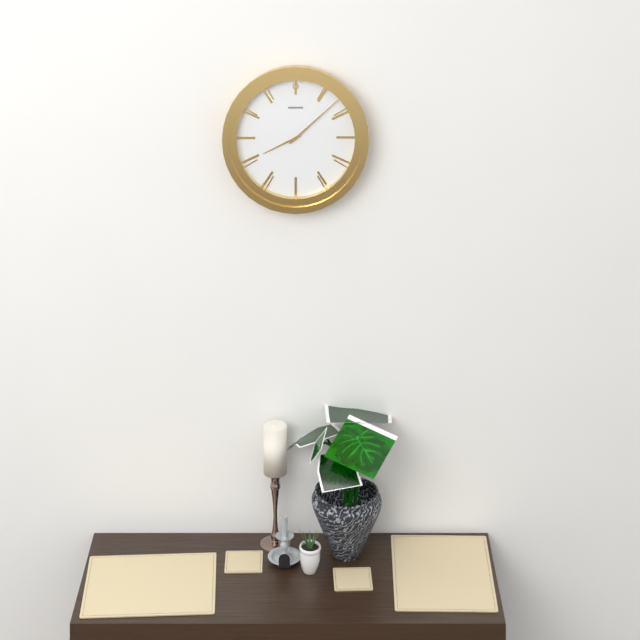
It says 8:08
